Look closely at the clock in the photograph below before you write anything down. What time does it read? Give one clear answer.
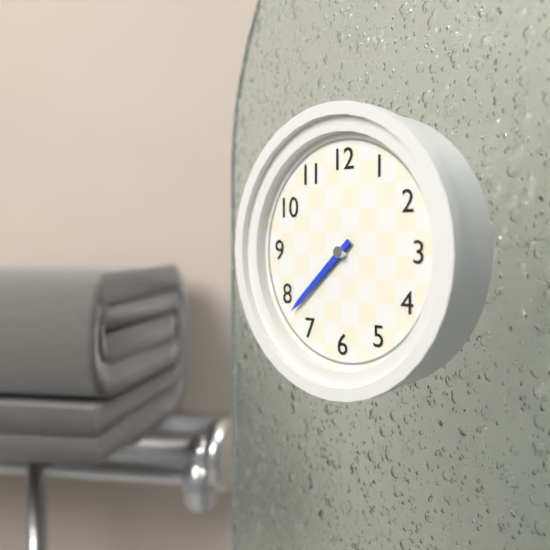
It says 7:38
